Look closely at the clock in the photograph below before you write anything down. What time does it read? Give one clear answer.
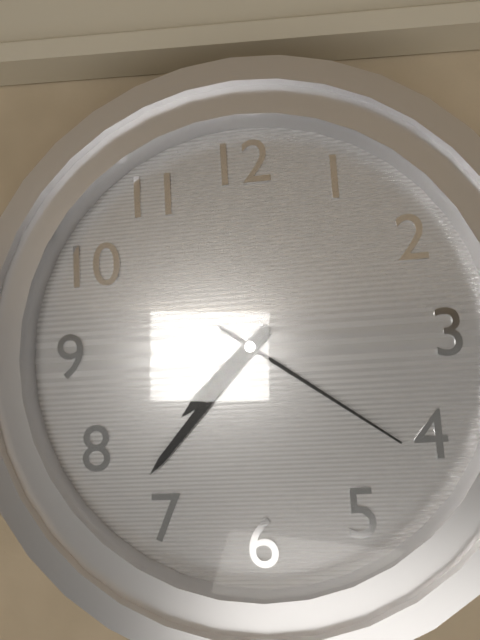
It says 7:37:21
